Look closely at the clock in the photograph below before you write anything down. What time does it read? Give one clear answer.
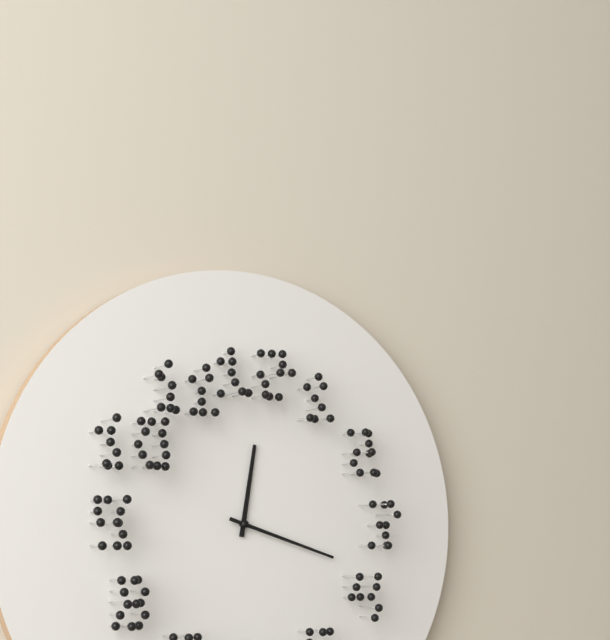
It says 12:18
